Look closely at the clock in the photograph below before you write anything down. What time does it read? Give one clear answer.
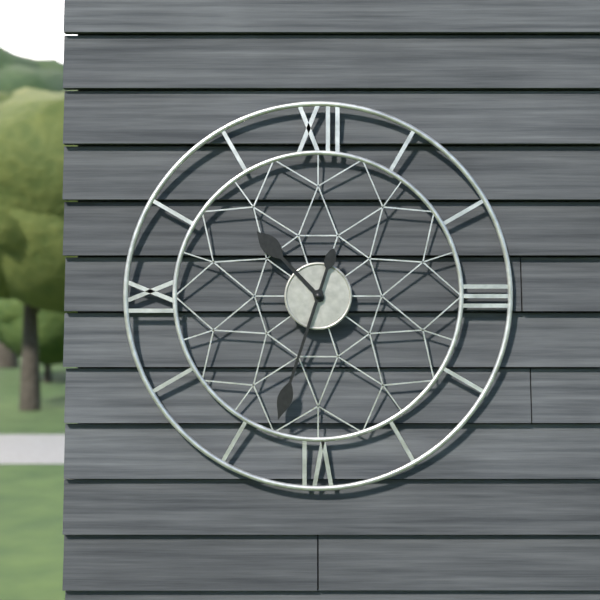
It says 10:33
